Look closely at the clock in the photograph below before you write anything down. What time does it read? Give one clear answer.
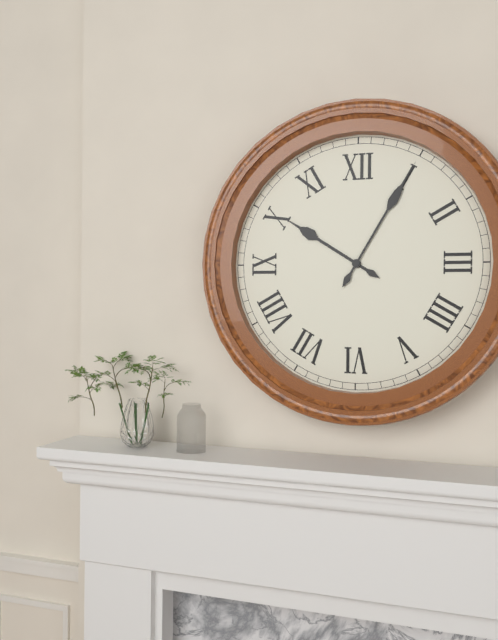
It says 10:05
